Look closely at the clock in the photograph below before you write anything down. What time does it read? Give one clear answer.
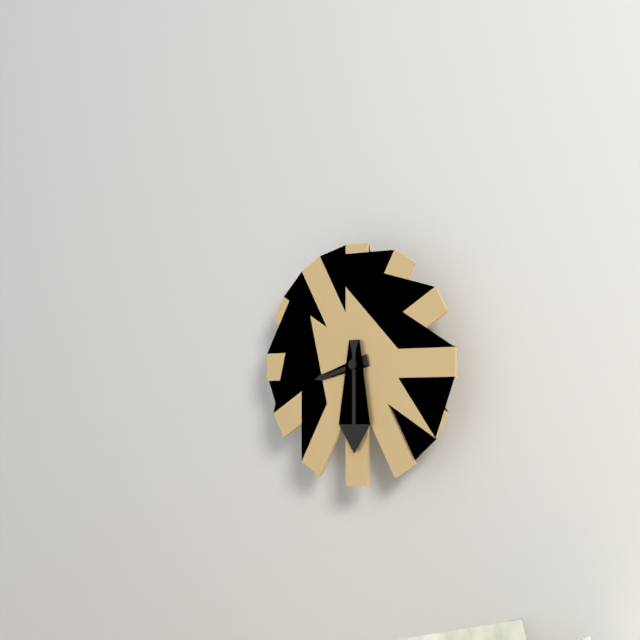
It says 8:30
